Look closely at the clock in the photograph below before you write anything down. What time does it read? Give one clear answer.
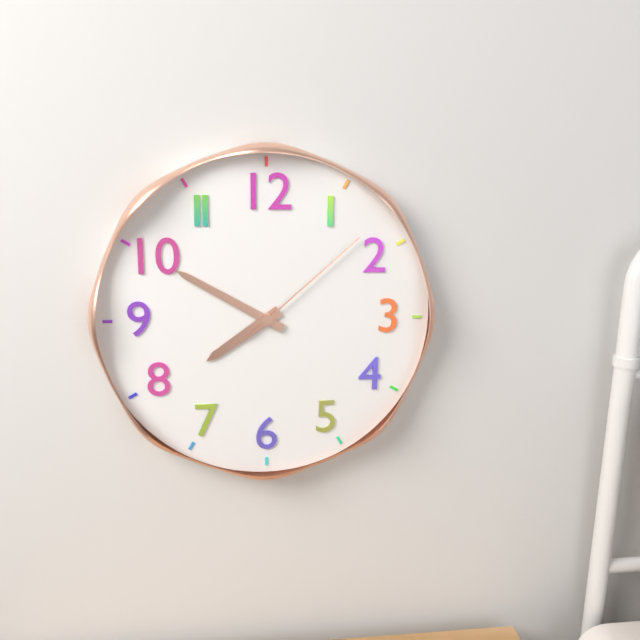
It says 7:50:08
